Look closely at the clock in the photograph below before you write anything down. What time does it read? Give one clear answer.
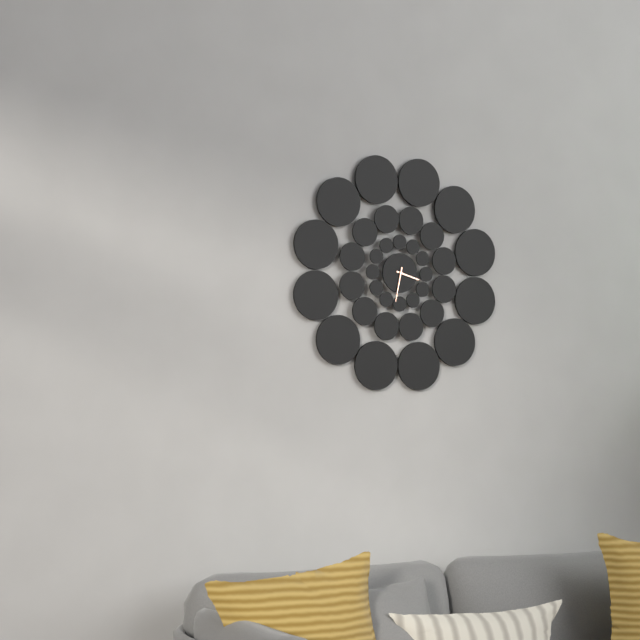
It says 3:32
